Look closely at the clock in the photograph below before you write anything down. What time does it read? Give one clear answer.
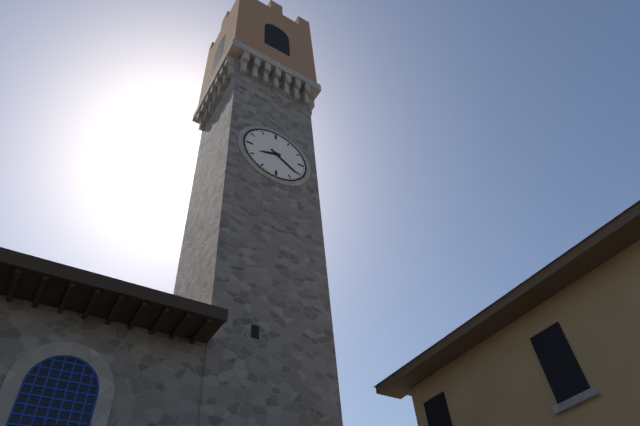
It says 8:21
